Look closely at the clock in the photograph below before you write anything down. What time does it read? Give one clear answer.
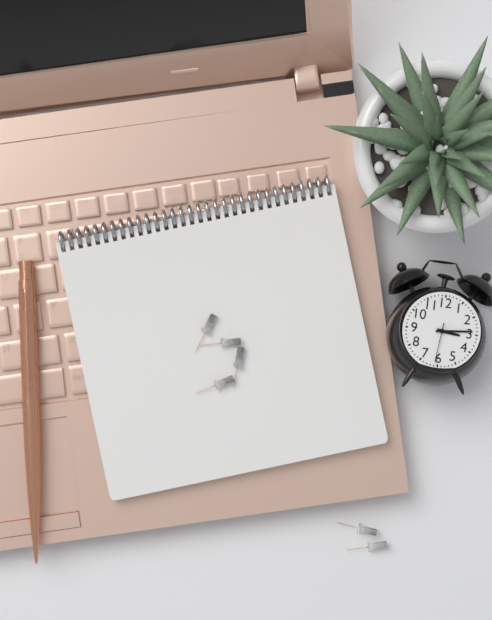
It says 3:14
